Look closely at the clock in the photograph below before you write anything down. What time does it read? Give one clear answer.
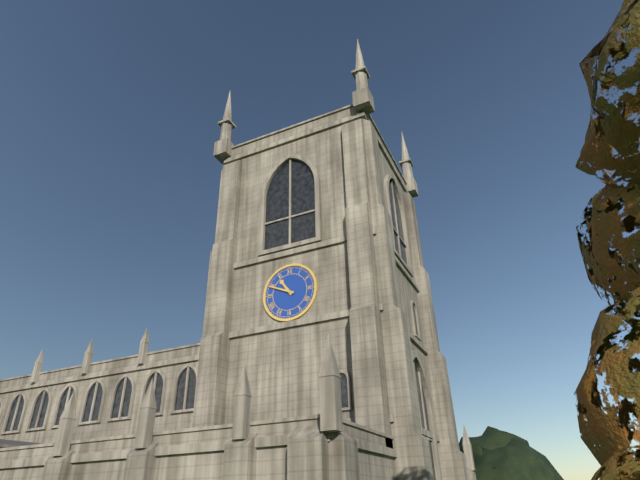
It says 10:49
